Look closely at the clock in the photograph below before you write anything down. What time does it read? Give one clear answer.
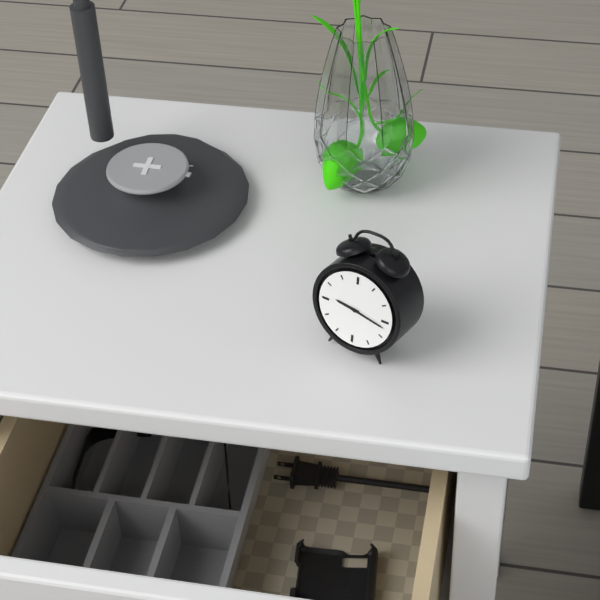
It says 9:17
